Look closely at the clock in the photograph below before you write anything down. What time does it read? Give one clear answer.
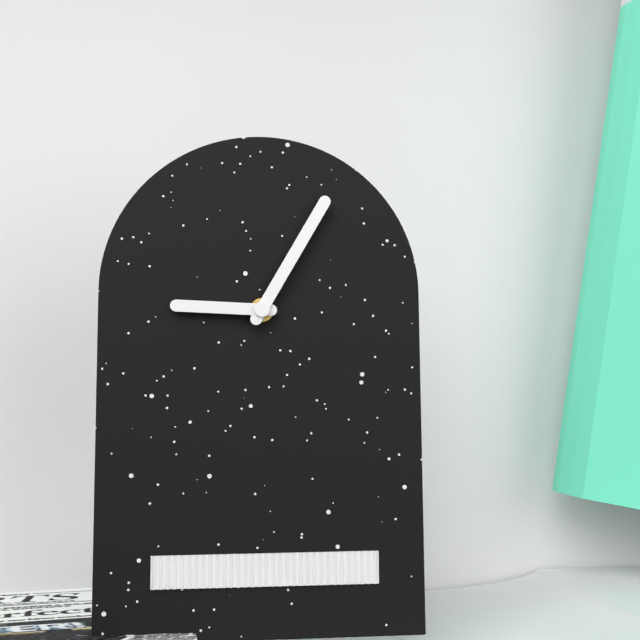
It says 9:05
